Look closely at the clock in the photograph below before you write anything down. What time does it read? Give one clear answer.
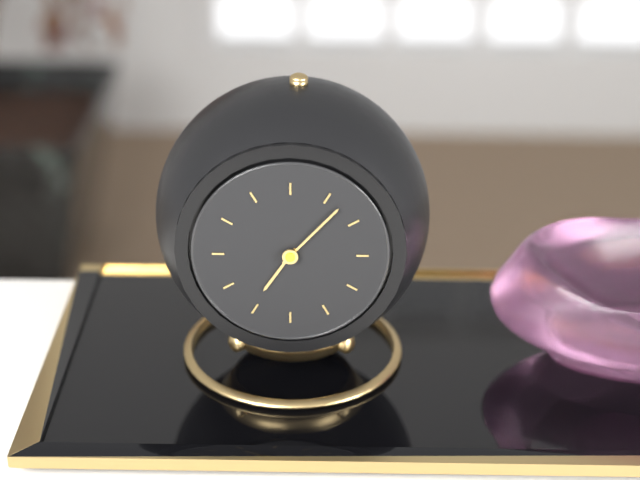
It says 7:07
